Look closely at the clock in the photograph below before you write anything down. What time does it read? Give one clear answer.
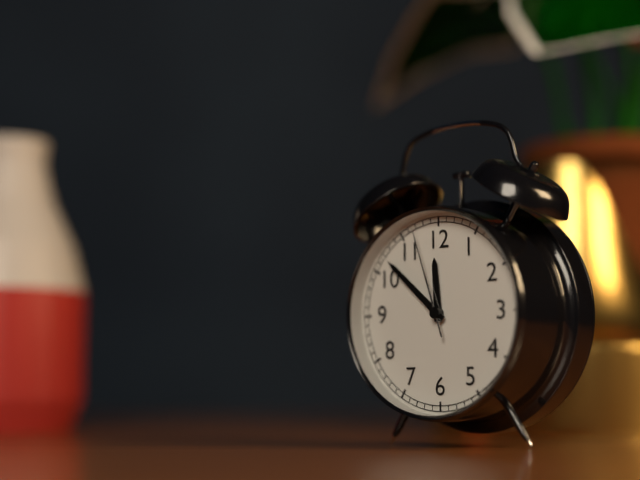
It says 11:52:57
